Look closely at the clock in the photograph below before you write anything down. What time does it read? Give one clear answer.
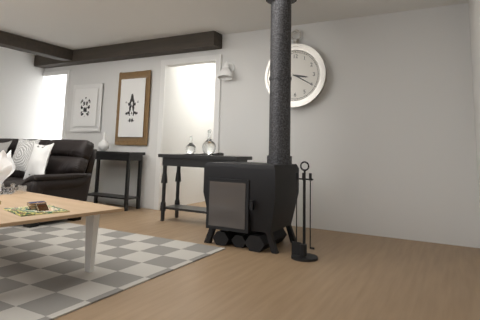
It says 3:20
